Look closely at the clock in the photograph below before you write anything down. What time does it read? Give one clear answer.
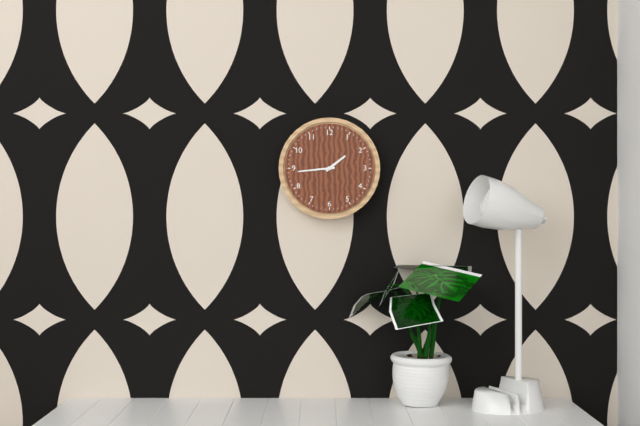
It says 1:44
